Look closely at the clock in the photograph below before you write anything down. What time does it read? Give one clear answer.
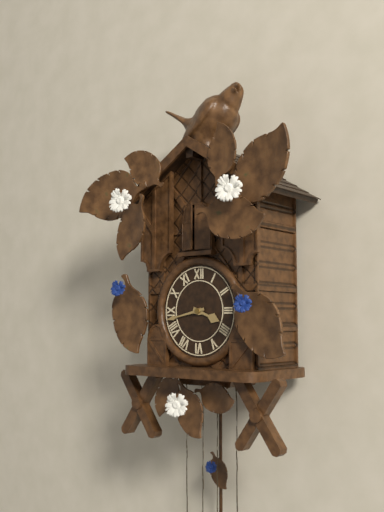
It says 3:43
